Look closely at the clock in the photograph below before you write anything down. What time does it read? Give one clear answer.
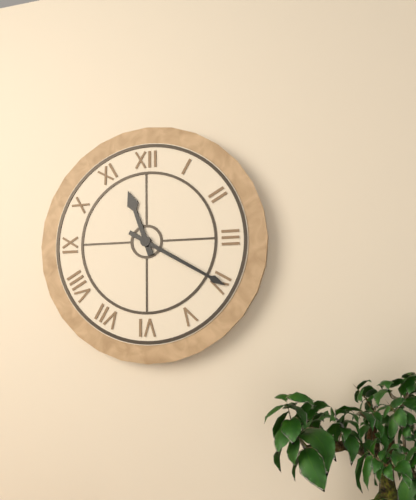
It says 11:20
